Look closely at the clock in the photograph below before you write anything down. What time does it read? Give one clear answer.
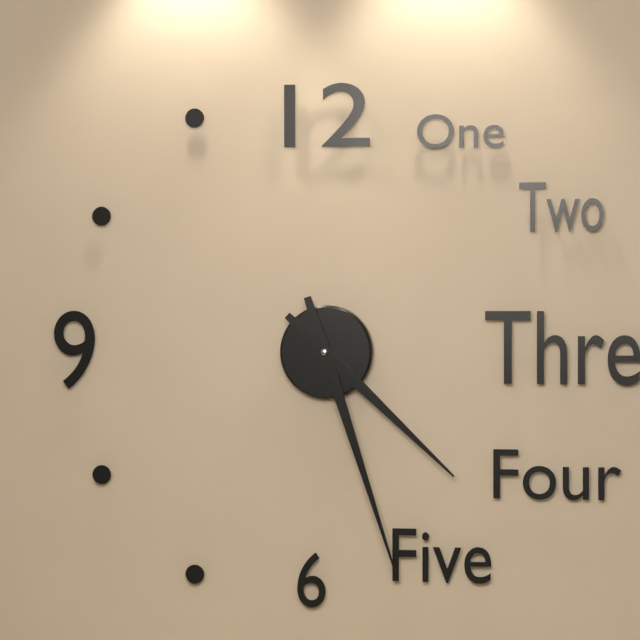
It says 4:27
